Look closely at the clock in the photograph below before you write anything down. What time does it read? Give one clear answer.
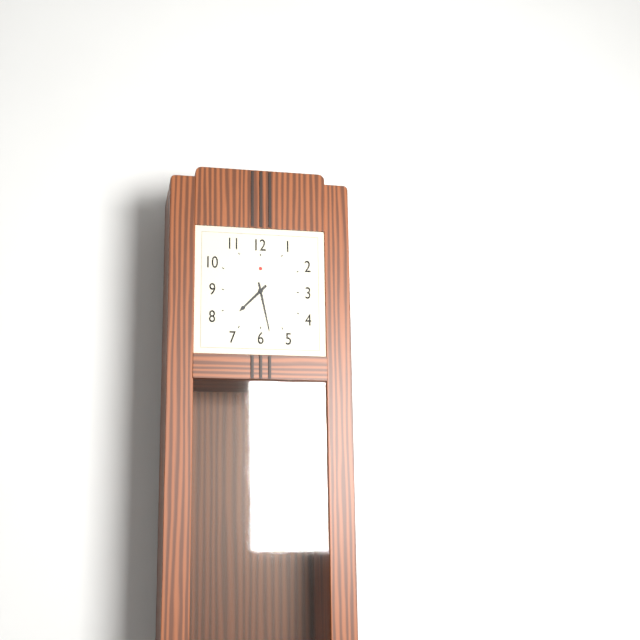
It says 7:28
